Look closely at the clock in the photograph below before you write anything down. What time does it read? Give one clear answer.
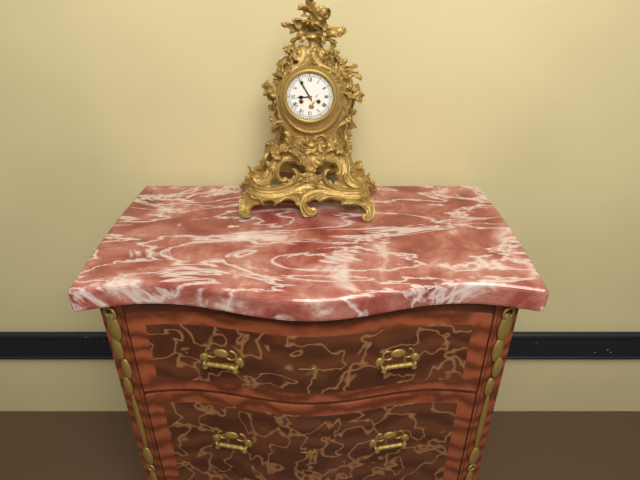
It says 8:55
